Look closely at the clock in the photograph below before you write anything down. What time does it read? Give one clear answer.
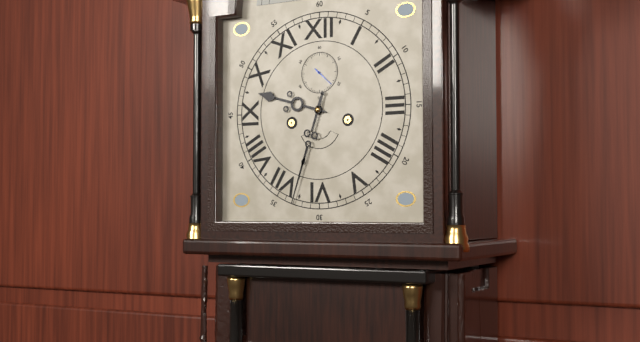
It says 9:33
